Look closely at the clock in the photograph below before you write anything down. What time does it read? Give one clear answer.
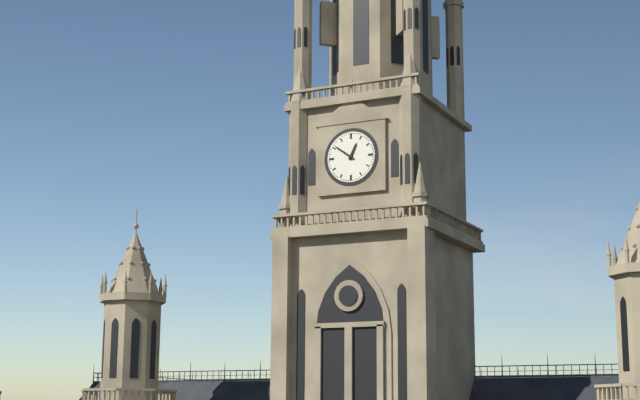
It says 12:51
